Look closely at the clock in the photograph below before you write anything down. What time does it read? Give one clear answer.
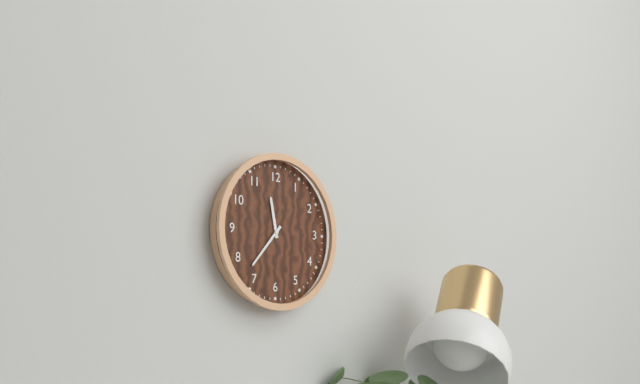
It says 11:37
